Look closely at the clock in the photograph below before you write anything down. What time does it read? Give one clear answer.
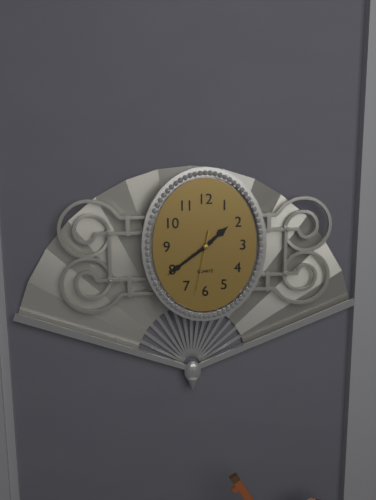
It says 1:39:32
